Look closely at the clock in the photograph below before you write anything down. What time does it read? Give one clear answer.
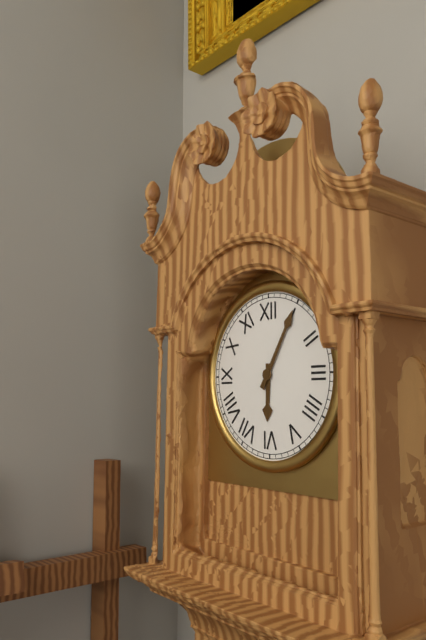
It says 6:05
